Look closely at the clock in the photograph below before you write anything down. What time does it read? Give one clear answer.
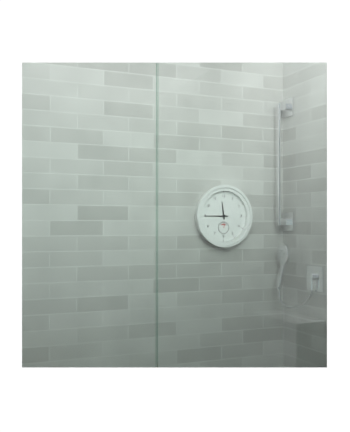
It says 11:45
